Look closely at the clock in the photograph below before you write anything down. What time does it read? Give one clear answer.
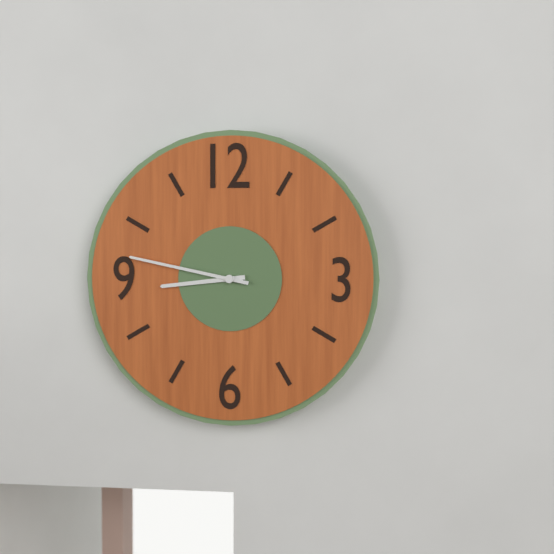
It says 8:47
